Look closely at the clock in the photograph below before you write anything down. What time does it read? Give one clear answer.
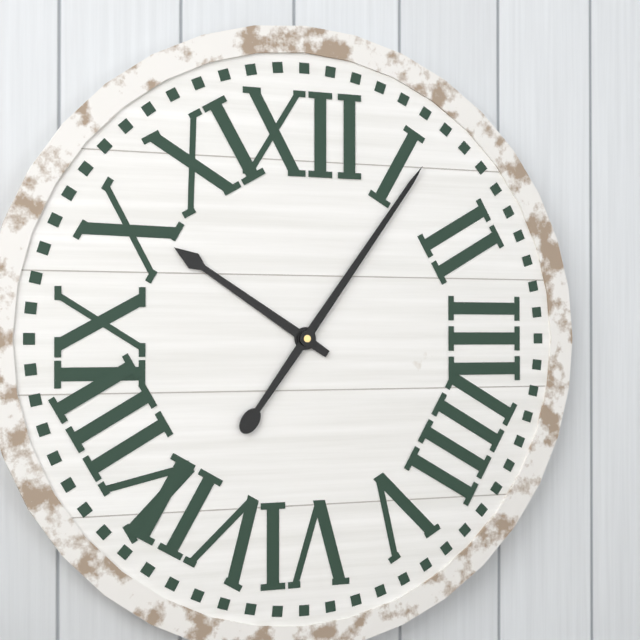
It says 10:06
